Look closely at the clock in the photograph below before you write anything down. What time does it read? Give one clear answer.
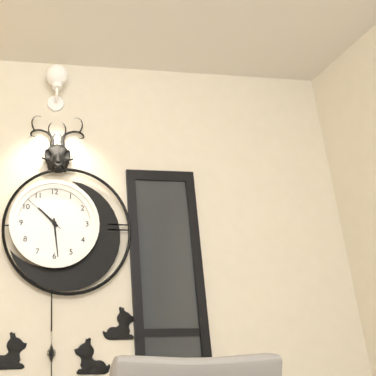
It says 10:29
